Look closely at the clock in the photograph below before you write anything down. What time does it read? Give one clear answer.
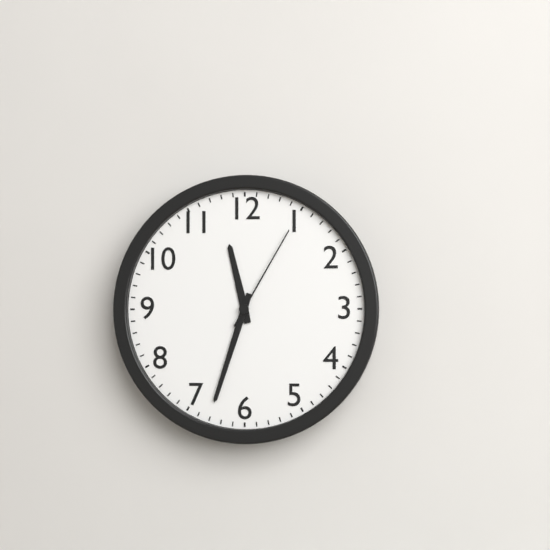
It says 11:33:05
